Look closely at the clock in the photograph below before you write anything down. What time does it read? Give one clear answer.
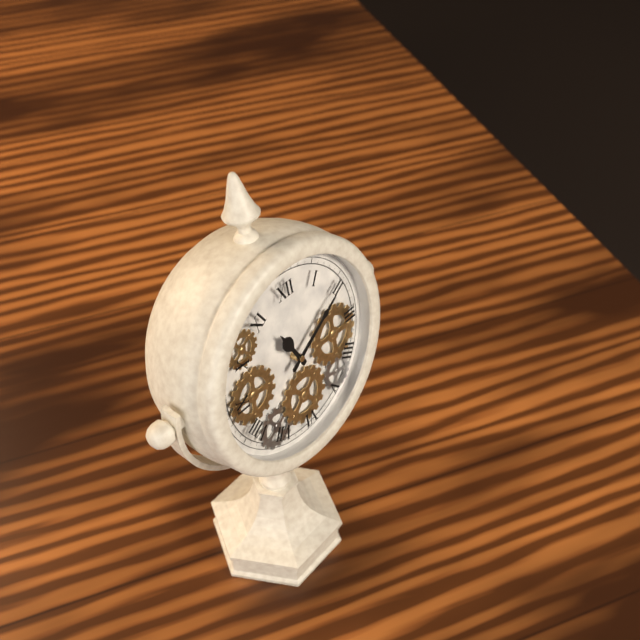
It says 11:10
